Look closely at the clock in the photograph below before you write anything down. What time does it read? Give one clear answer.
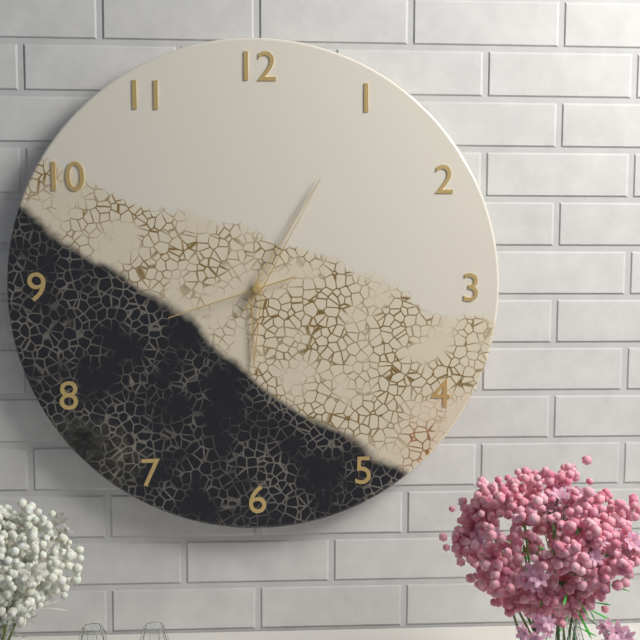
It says 6:05:42
